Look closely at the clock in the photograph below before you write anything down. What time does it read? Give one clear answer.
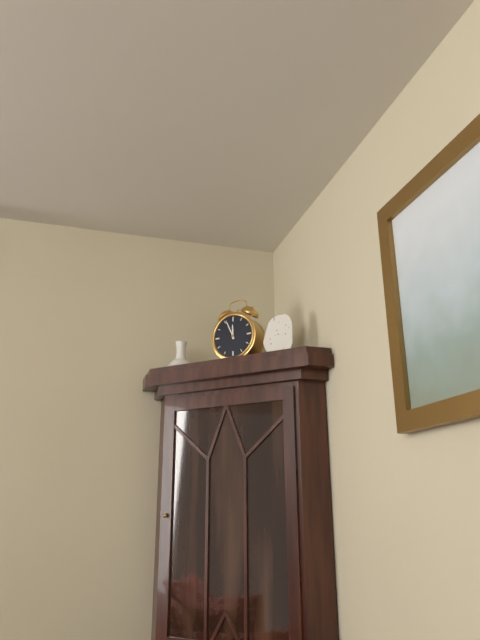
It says 11:56
